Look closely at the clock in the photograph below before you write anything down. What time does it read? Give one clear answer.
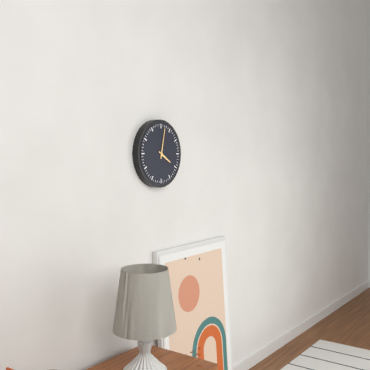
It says 4:02
